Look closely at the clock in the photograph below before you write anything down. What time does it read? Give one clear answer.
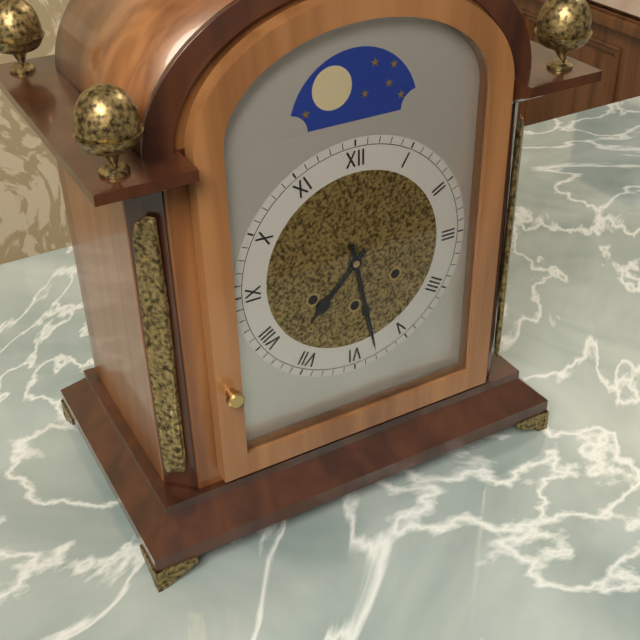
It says 7:28
